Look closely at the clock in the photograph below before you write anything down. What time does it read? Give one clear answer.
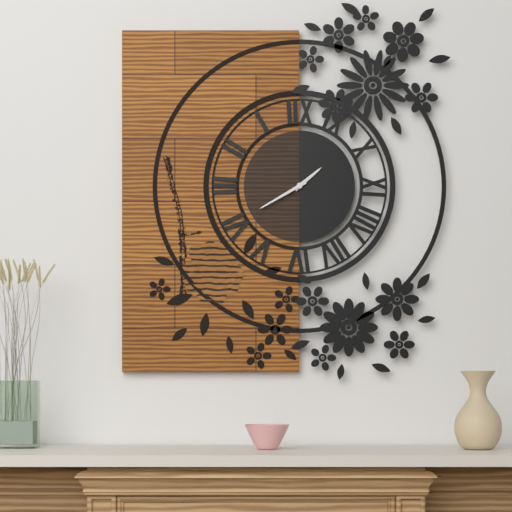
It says 1:40
